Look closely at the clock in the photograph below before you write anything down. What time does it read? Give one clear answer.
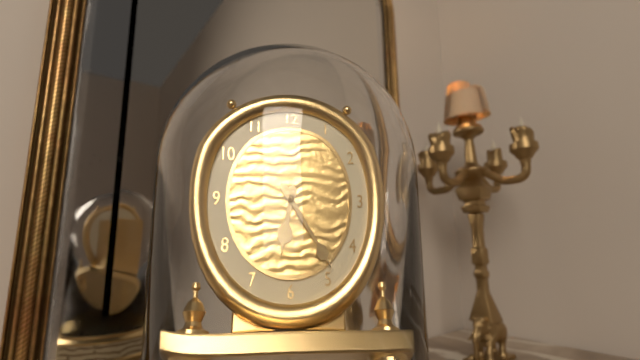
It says 6:24
